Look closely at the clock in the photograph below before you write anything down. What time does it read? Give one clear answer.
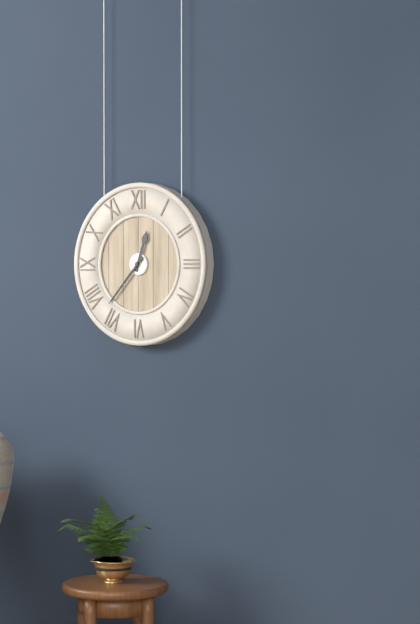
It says 12:37
